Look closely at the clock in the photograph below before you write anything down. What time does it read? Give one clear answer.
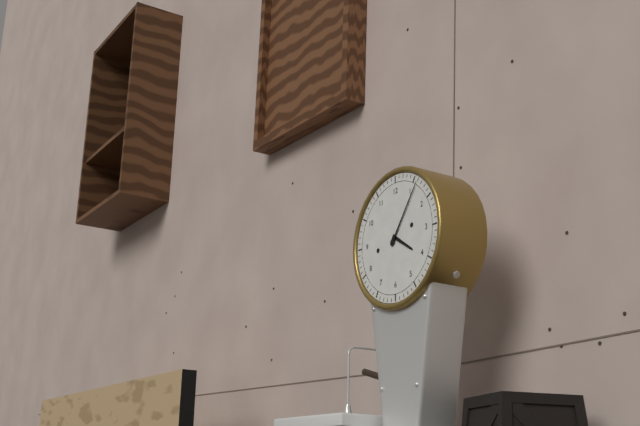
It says 4:06
